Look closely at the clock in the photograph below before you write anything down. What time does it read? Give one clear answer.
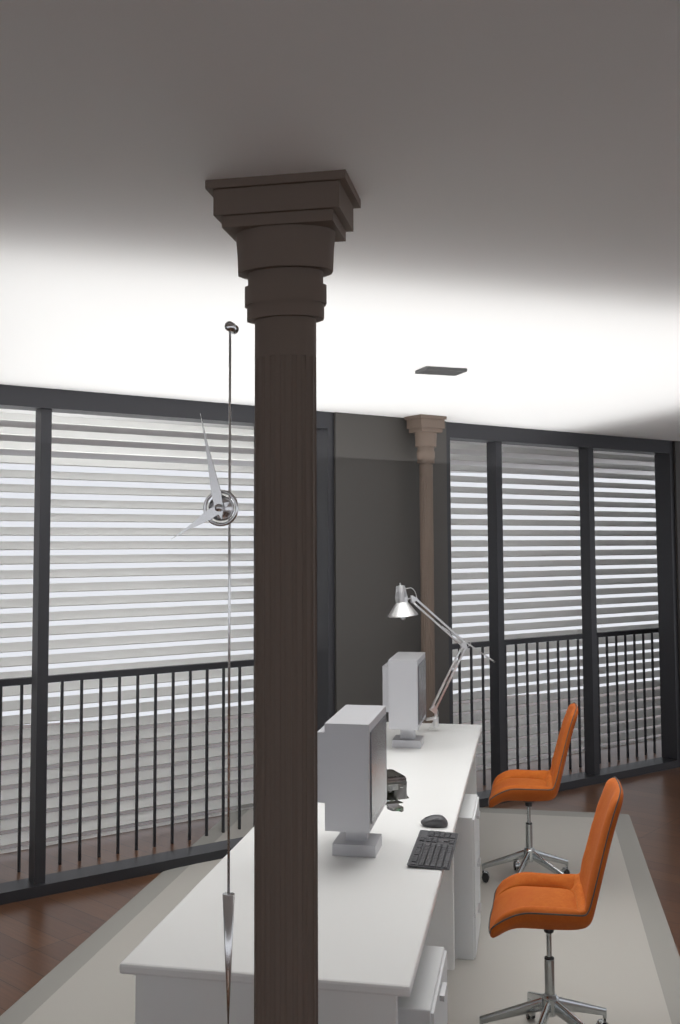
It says 7:58
